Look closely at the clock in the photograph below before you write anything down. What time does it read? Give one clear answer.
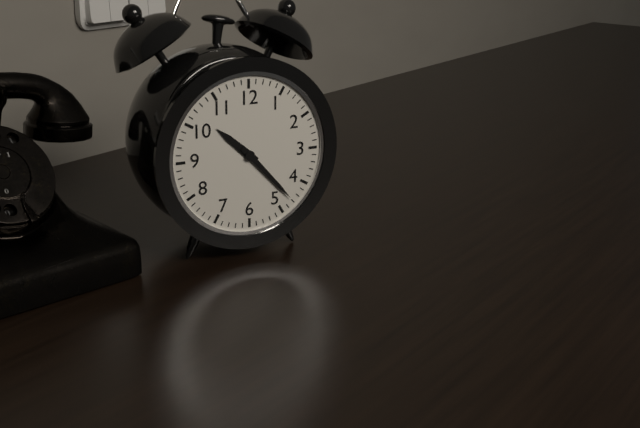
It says 10:23
